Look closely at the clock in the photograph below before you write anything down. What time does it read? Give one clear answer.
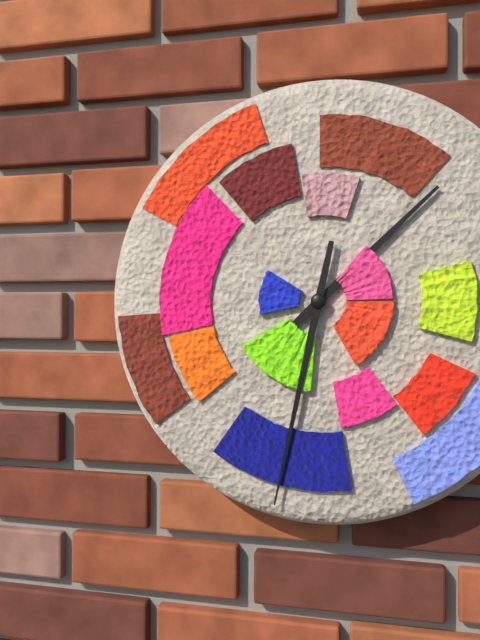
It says 1:32
